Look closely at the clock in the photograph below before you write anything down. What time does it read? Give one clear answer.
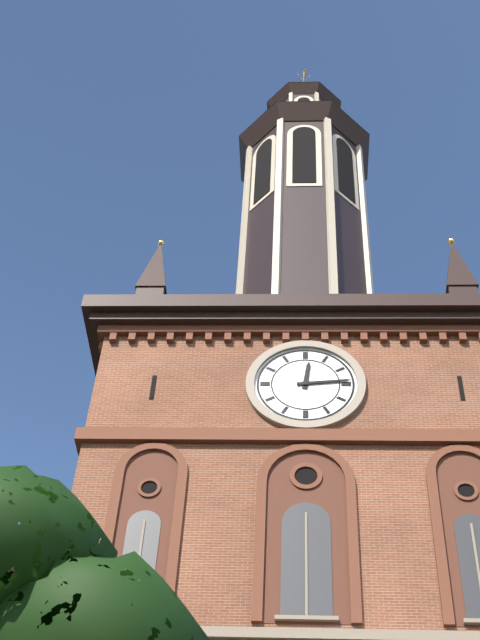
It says 12:14
